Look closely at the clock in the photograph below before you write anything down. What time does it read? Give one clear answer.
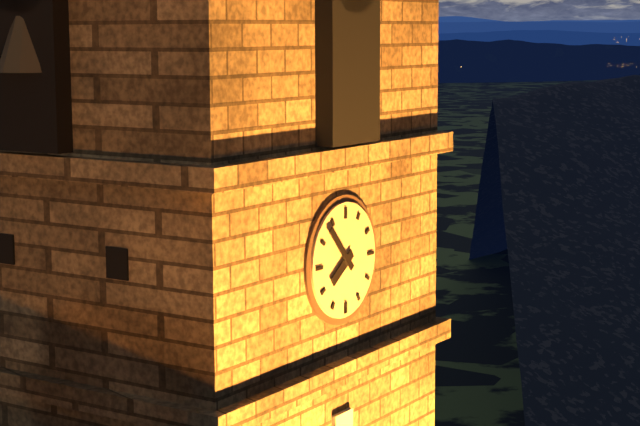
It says 7:53
